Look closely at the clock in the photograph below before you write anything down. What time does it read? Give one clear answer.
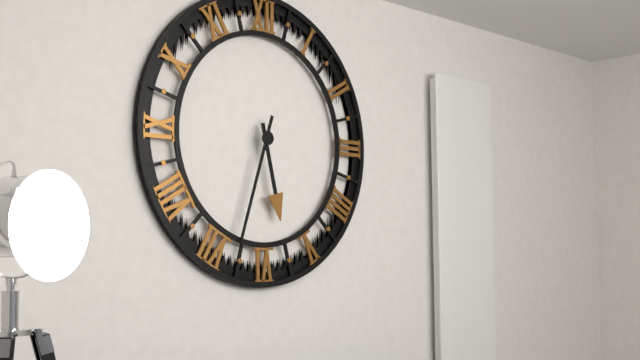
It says 5:33
